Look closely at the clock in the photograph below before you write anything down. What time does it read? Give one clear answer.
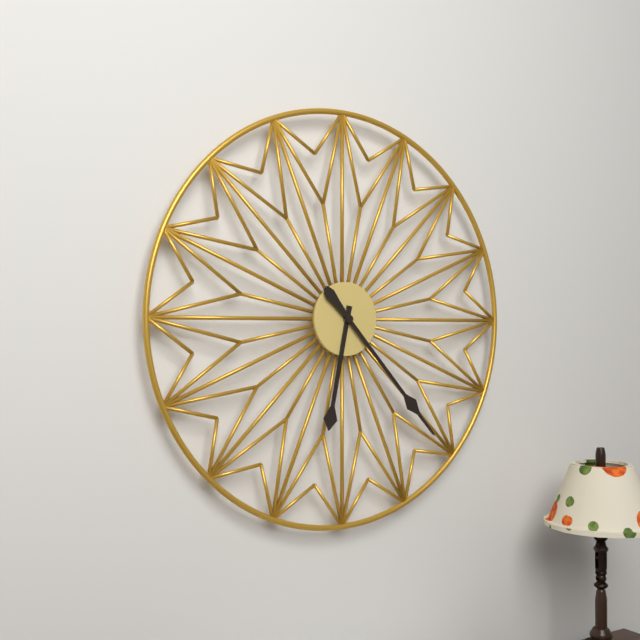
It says 6:23
